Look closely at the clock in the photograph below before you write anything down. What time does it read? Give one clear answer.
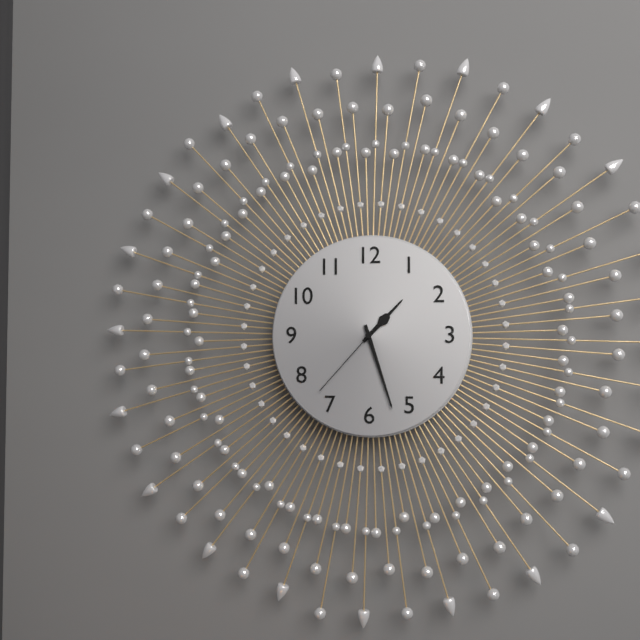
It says 1:27:37
